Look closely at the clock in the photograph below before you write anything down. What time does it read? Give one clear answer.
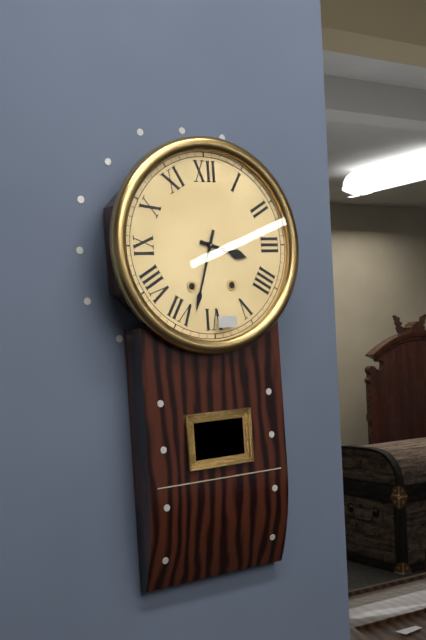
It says 3:33
